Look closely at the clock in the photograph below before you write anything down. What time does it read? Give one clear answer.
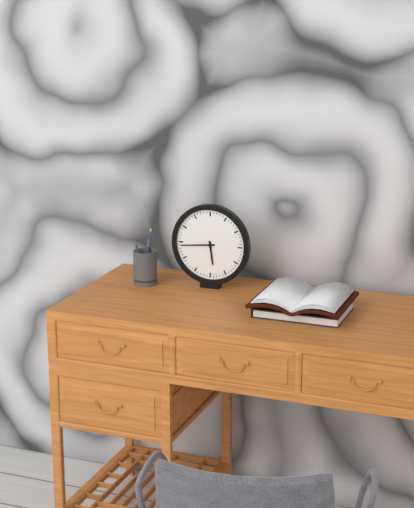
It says 5:44
